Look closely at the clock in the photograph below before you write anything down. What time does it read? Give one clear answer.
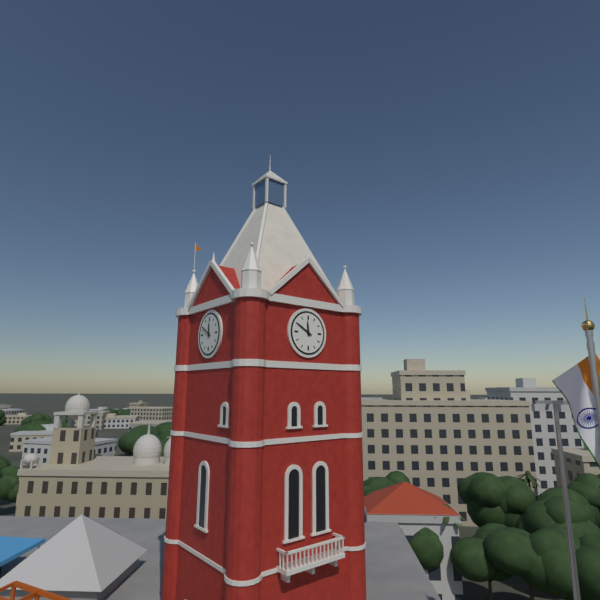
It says 11:50
